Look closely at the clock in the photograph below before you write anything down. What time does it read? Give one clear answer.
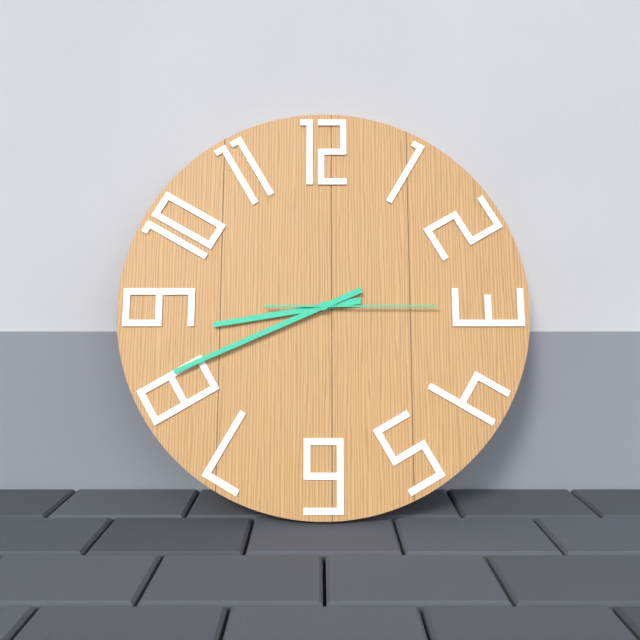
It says 8:41:15
